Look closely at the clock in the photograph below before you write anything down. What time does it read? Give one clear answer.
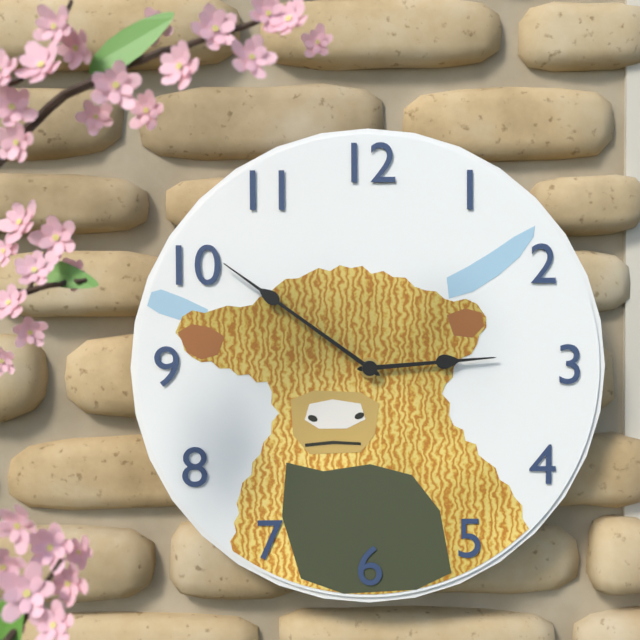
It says 2:51
